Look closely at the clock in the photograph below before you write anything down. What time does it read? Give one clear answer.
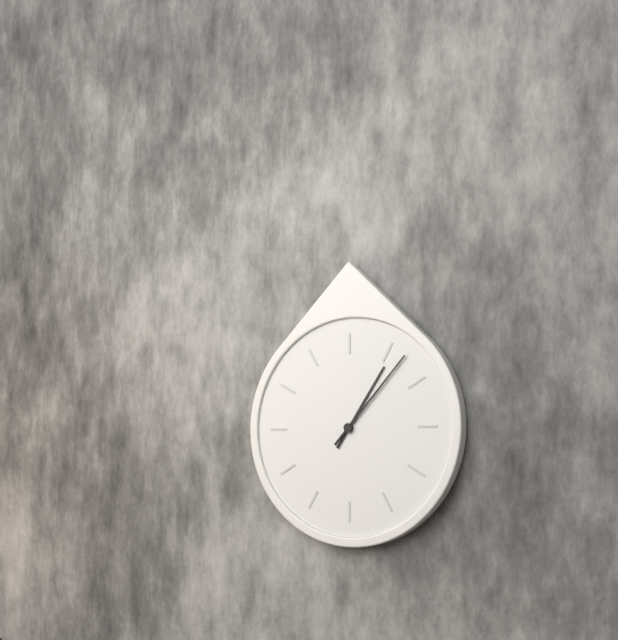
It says 1:07
